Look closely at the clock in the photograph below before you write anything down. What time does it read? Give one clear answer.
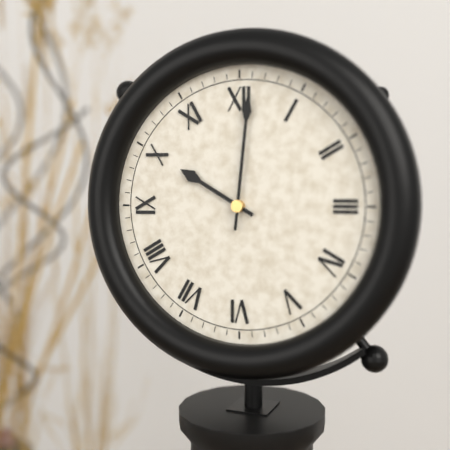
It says 10:01
